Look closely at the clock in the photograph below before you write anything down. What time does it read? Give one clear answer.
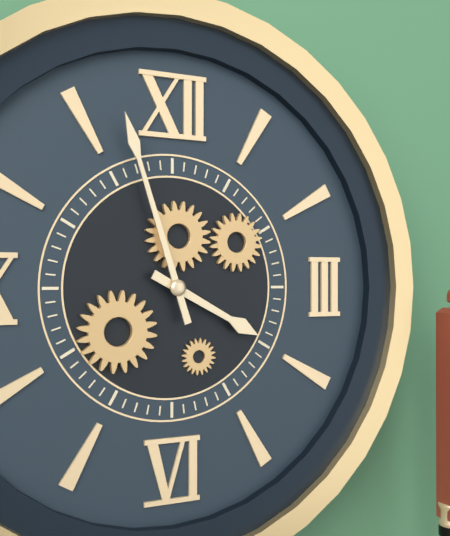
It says 3:57
